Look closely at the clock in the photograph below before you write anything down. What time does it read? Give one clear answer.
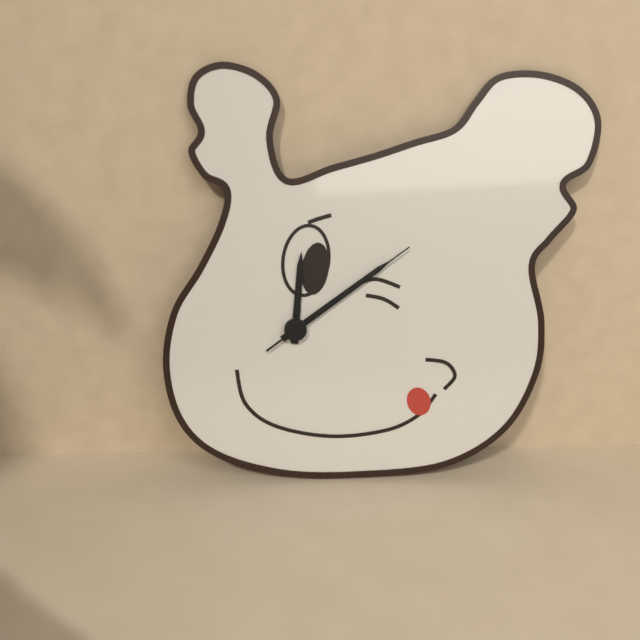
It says 12:09:09
